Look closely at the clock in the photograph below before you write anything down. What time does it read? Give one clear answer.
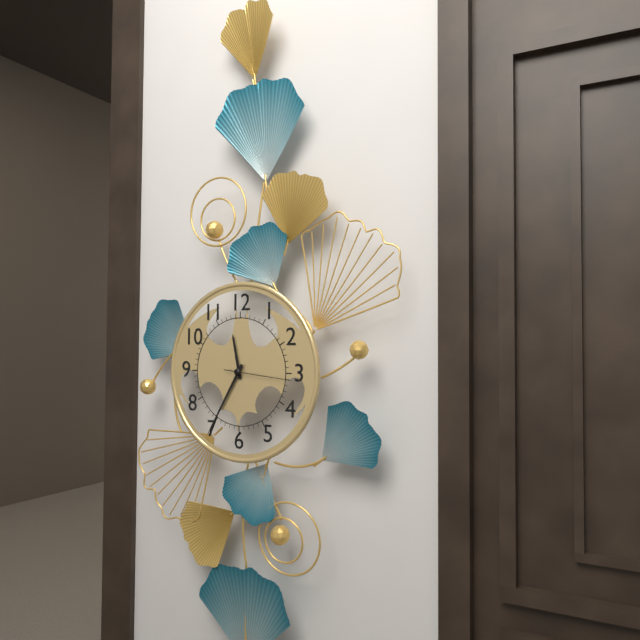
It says 11:35:16
